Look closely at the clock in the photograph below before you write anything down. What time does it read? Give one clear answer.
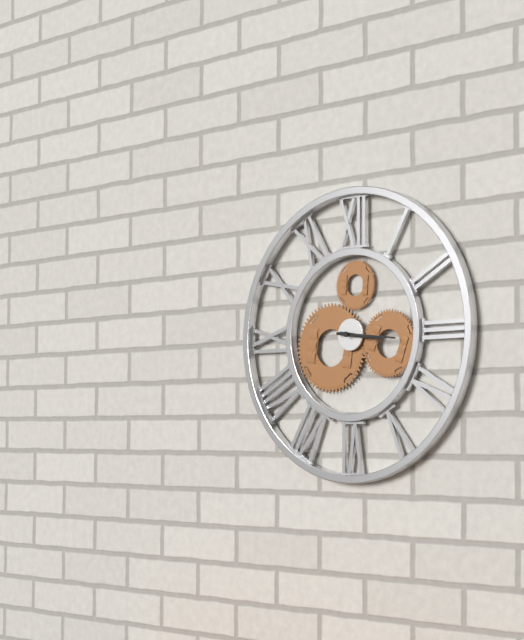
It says 3:16
